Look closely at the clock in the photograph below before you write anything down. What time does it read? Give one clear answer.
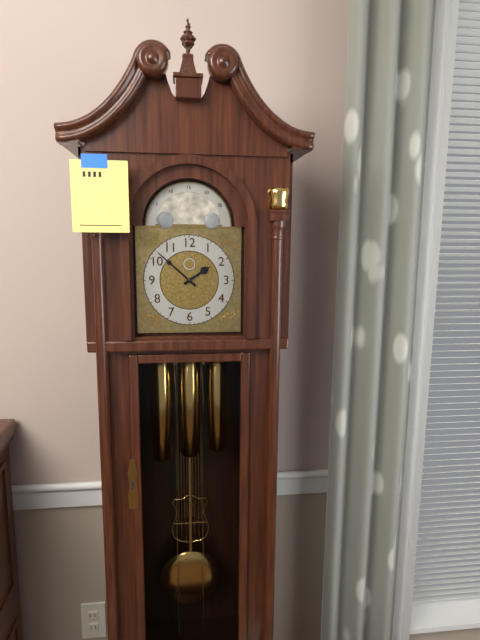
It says 1:52
